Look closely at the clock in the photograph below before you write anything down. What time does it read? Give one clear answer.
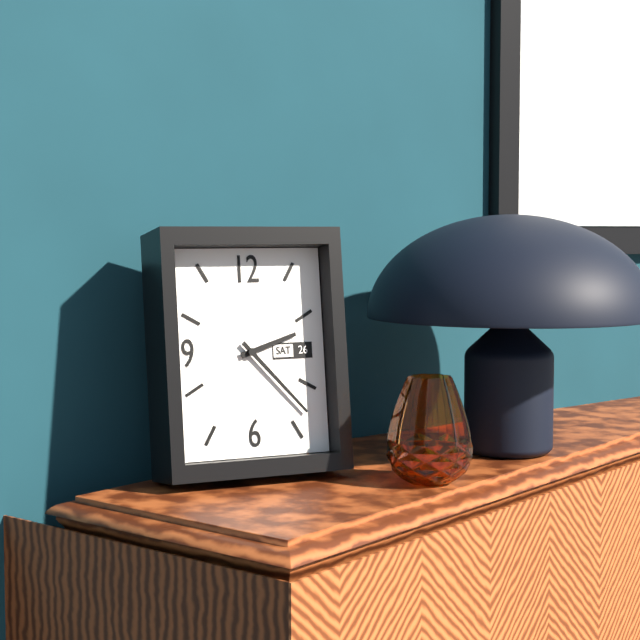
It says 2:23
